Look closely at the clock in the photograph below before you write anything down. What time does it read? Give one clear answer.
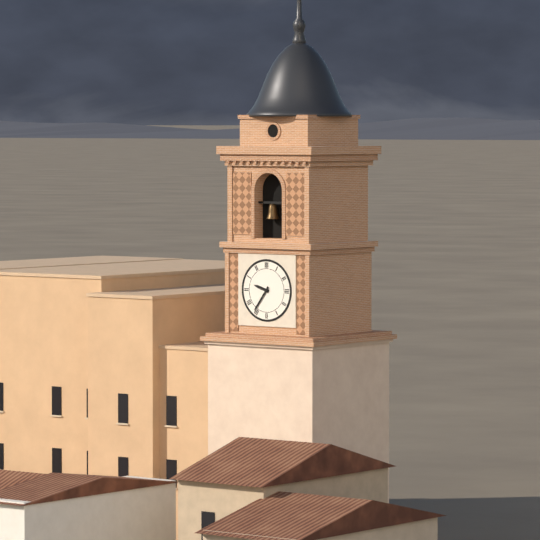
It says 9:36
